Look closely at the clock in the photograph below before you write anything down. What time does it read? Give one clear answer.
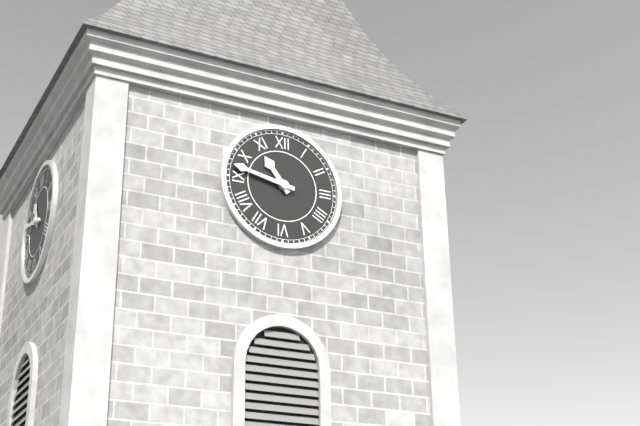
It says 10:47
